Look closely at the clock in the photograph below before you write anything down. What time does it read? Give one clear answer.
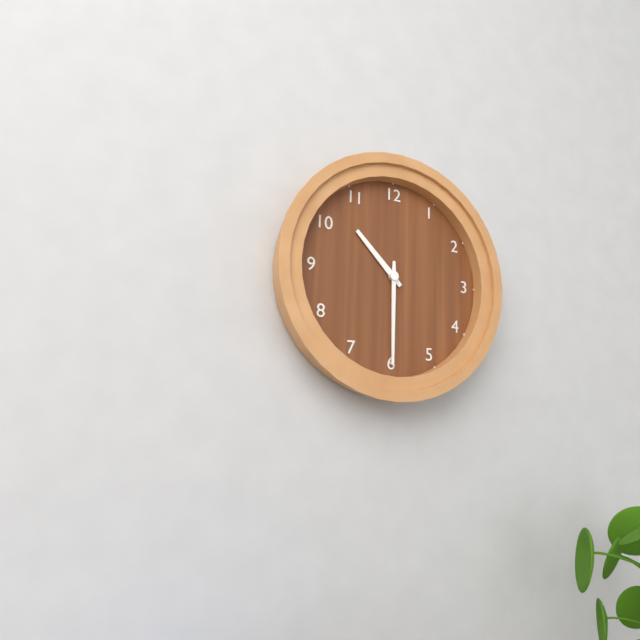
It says 10:30
